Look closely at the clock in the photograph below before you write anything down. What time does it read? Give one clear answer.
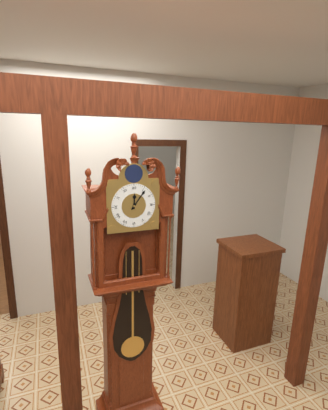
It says 12:06
